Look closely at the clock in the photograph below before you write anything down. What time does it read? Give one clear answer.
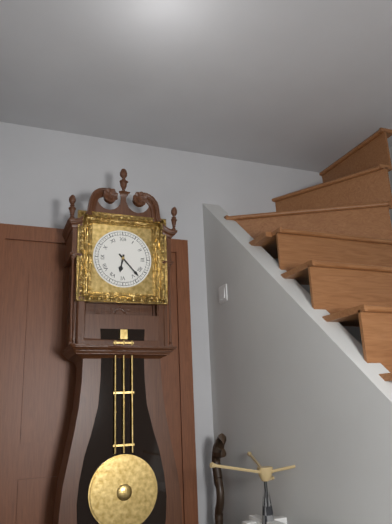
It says 6:23
